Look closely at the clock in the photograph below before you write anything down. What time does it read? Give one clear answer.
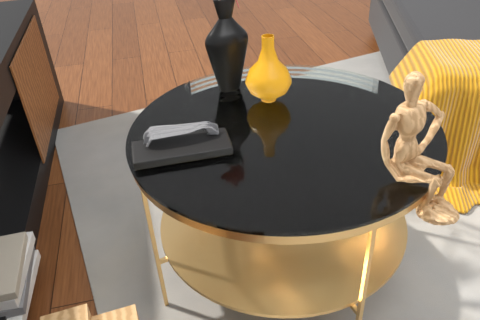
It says 12:21
